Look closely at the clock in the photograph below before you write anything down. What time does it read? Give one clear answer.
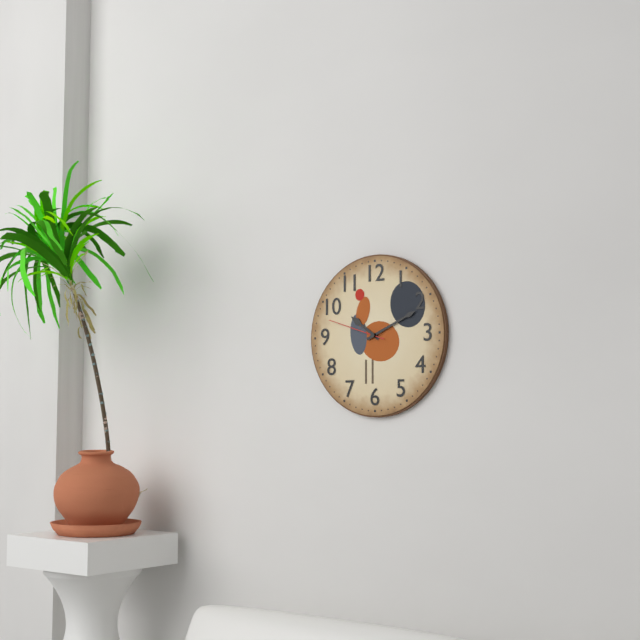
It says 10:11:48
